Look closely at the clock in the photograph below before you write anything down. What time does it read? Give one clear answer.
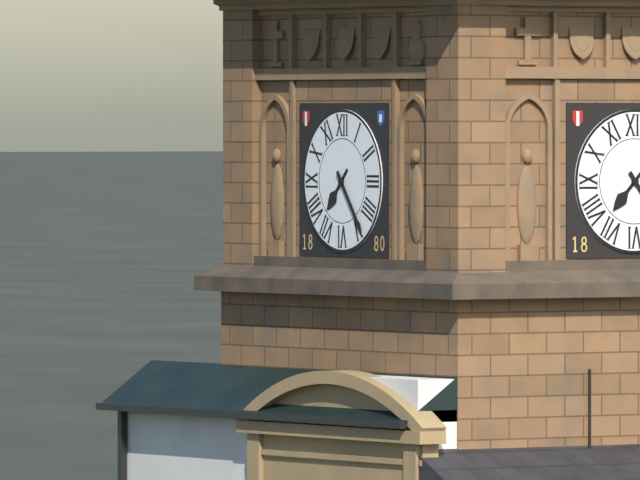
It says 7:24
